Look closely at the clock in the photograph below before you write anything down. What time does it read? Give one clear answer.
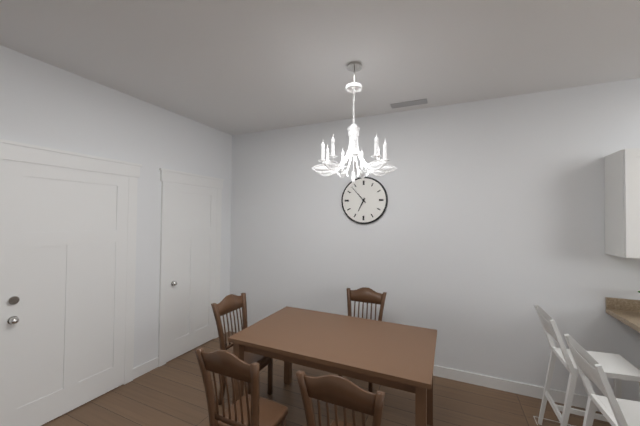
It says 6:53
